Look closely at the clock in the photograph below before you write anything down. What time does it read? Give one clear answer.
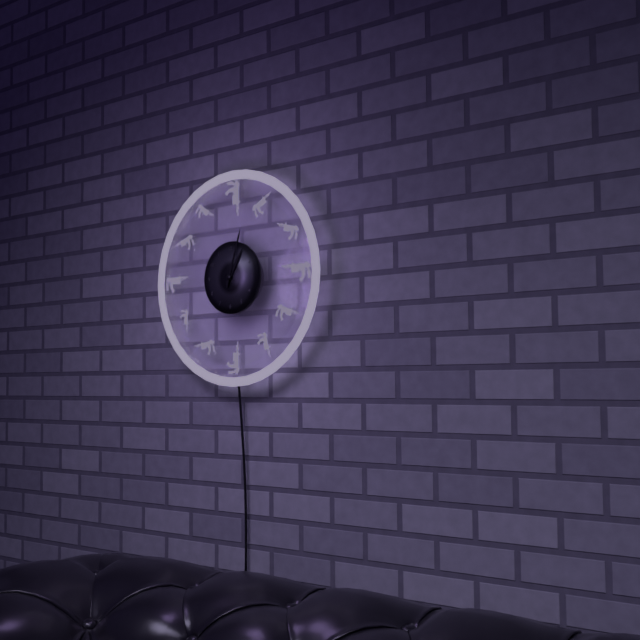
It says 1:03
